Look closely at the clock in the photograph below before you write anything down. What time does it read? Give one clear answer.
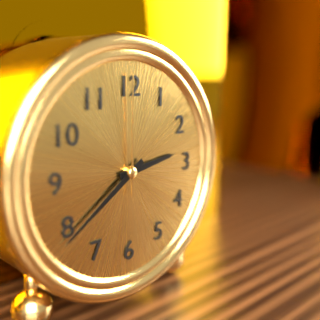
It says 2:39:00
